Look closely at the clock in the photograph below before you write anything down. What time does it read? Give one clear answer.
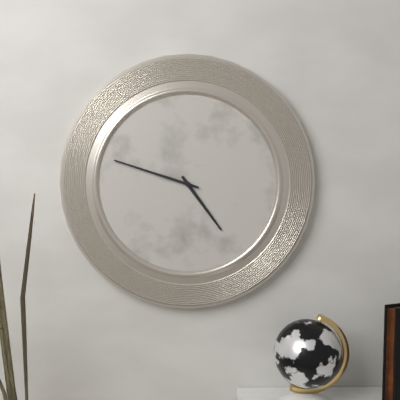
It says 4:48
